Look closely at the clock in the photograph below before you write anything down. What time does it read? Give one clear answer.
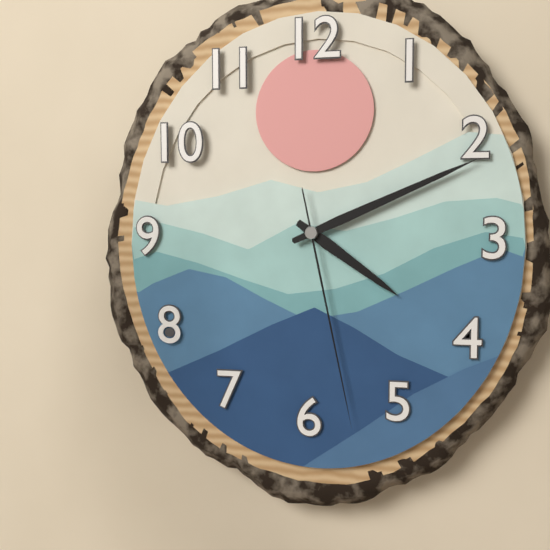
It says 4:11:28
